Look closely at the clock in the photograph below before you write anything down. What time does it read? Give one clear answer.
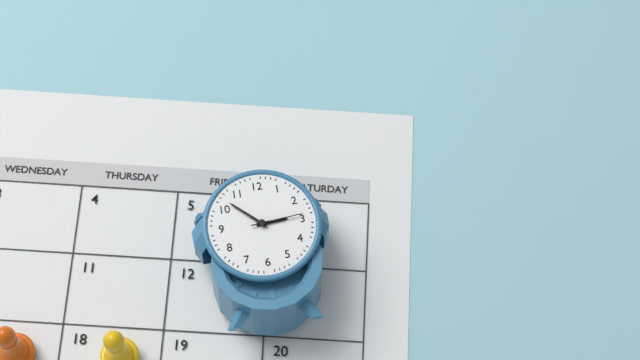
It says 2:52:14
